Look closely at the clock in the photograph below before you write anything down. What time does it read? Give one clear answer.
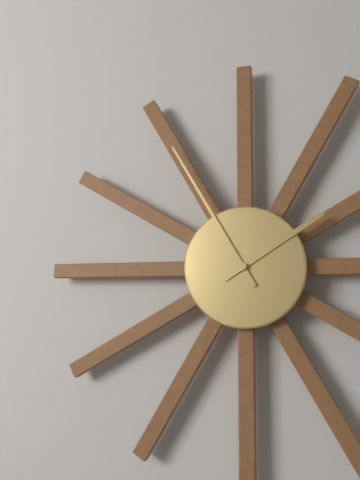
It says 1:55
